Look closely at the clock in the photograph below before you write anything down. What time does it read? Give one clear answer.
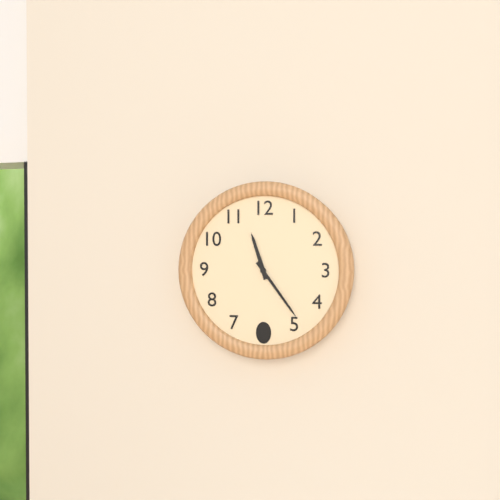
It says 11:24
